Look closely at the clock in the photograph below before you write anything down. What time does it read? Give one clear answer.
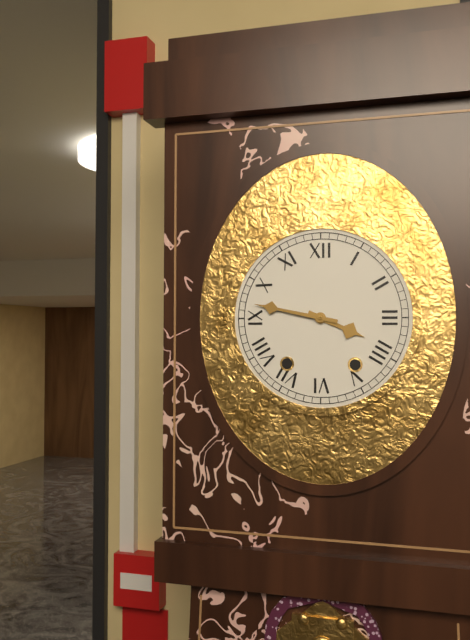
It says 3:47
